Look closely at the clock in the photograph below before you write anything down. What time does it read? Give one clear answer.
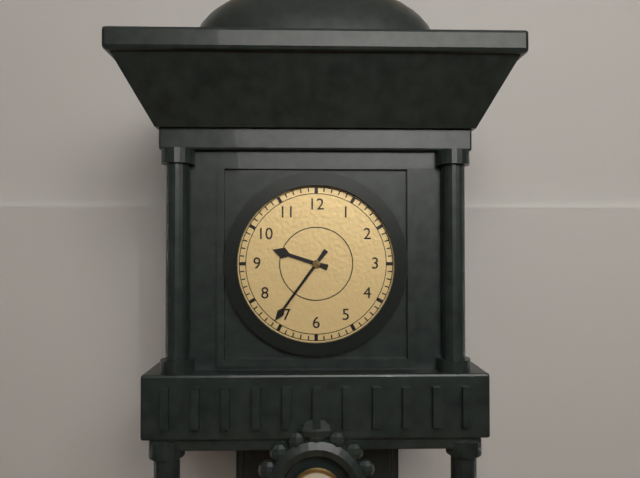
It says 9:36
